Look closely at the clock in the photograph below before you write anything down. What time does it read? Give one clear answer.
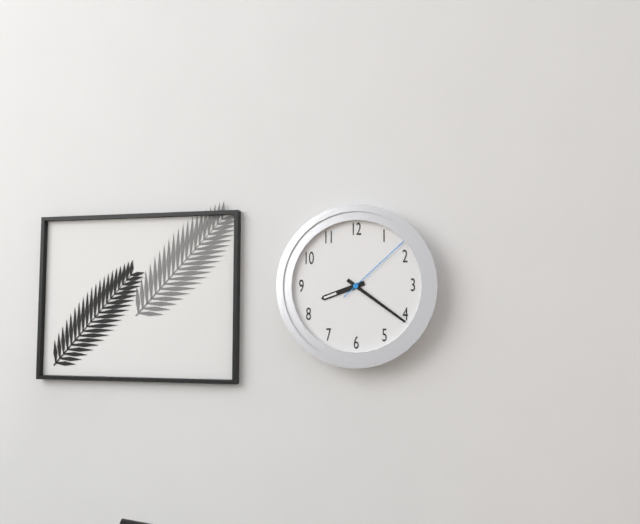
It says 8:21:08
